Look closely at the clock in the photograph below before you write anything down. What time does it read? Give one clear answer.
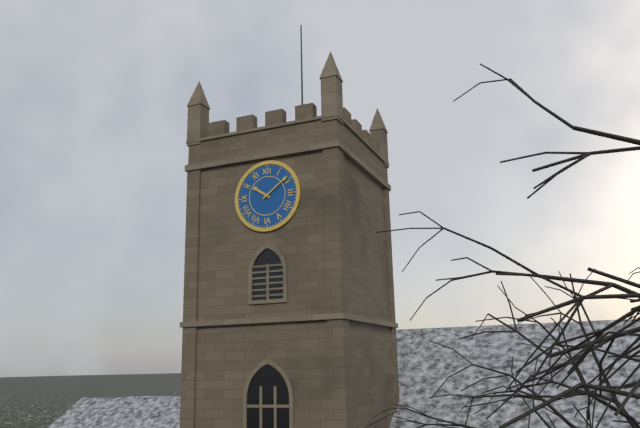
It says 10:09
